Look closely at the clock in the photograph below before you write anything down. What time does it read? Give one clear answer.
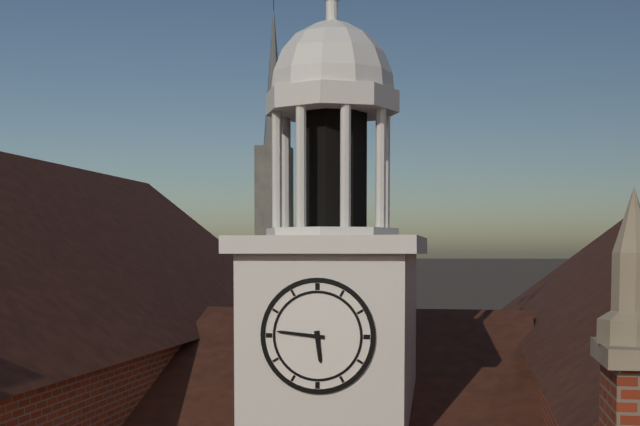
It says 5:46
